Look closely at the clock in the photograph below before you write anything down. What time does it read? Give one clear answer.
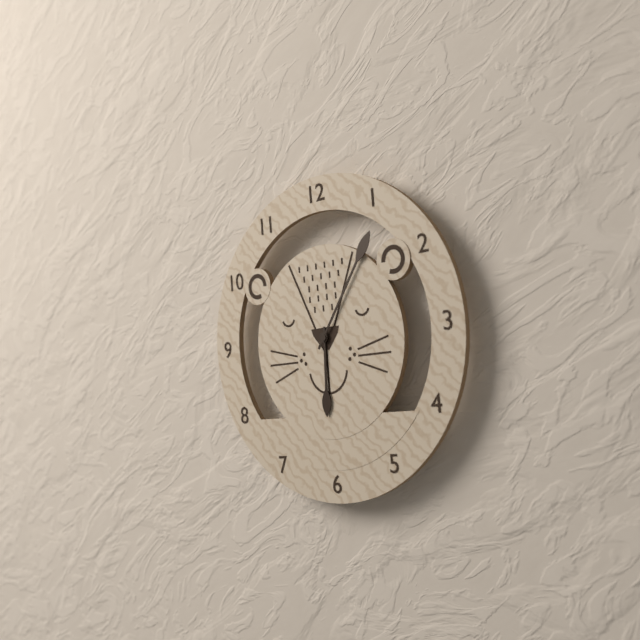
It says 6:06
